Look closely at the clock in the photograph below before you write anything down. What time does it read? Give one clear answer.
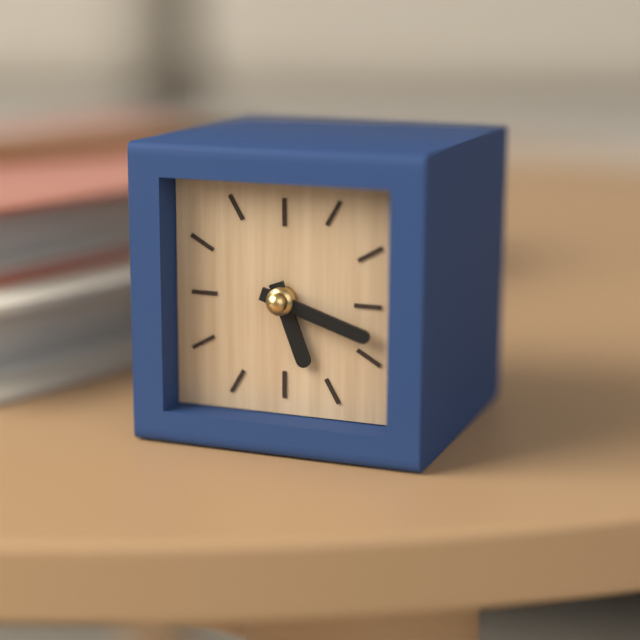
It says 5:18
